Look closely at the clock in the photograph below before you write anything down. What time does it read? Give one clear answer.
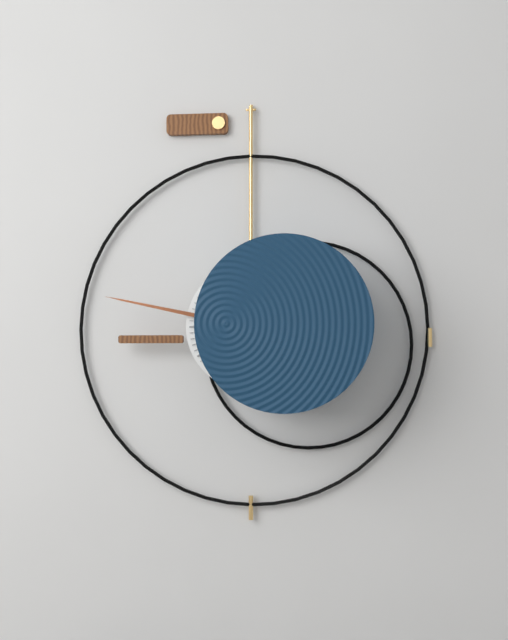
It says 12:47
